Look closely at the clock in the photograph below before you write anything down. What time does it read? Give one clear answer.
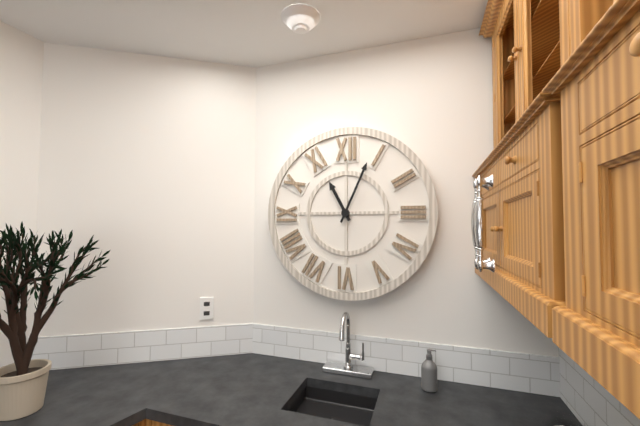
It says 11:04
